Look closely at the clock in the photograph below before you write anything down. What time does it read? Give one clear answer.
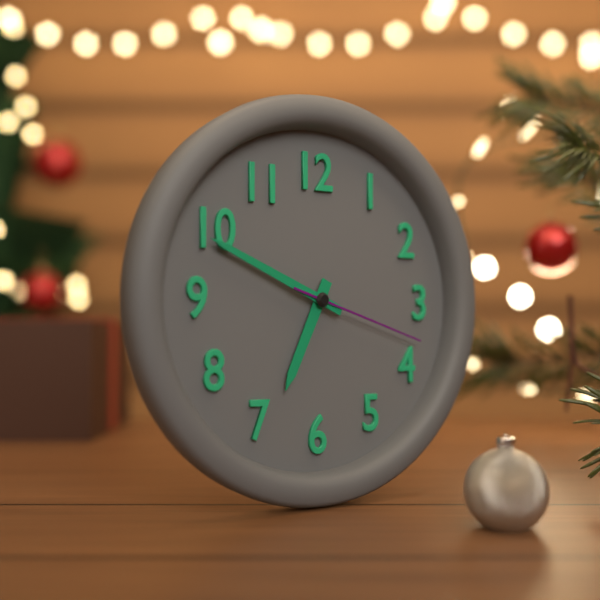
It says 6:49:18
